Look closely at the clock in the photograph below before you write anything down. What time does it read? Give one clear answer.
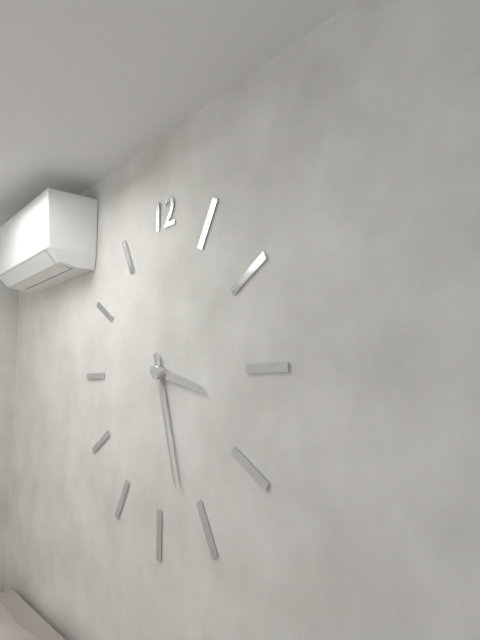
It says 3:27
